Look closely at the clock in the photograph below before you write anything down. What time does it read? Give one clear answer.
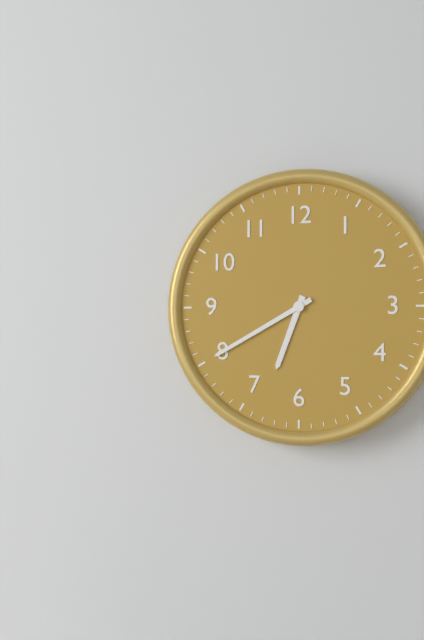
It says 6:40
